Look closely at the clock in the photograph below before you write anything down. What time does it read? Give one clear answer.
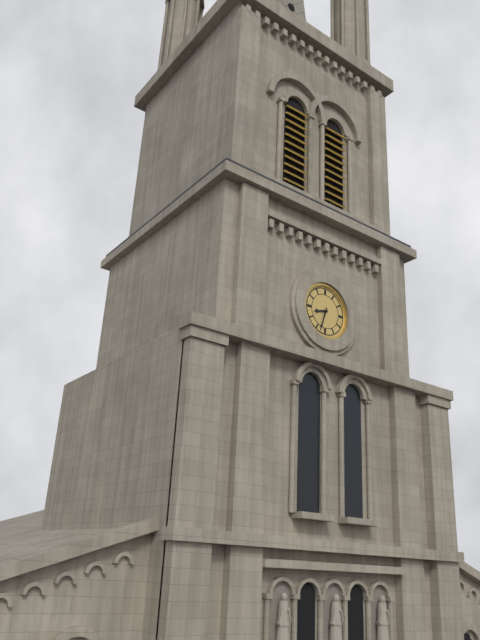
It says 8:33
